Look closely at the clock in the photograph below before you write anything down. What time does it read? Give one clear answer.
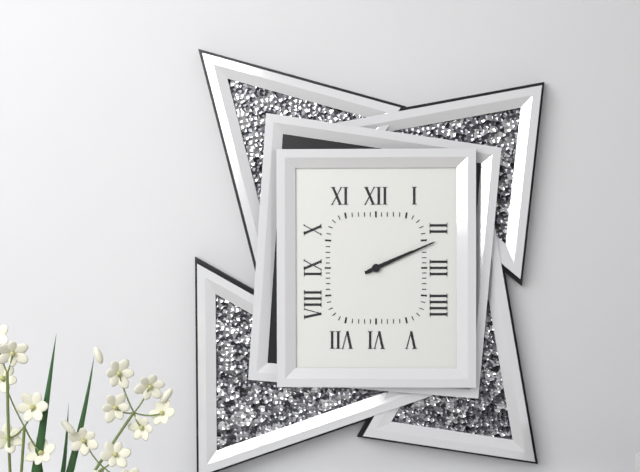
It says 2:11
